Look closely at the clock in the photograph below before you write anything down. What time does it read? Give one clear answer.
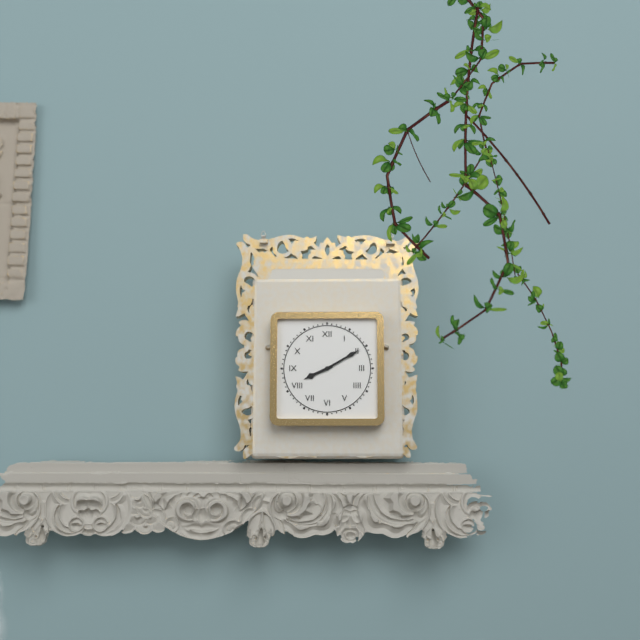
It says 8:10
